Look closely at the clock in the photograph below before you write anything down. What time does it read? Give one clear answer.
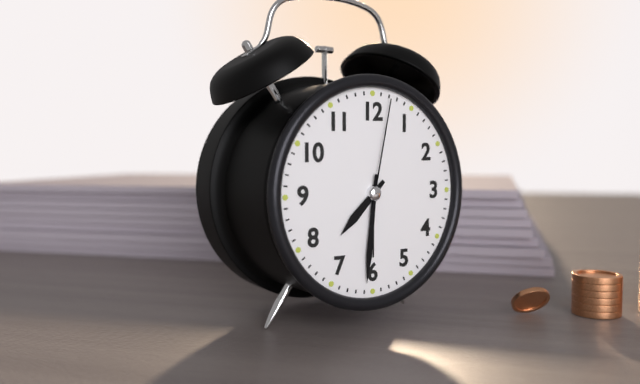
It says 7:31:02
